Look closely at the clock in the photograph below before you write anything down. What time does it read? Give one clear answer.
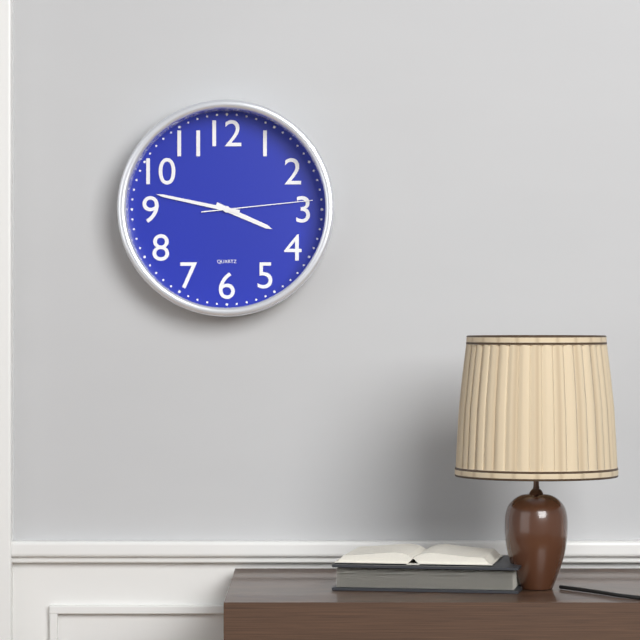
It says 3:47:14
